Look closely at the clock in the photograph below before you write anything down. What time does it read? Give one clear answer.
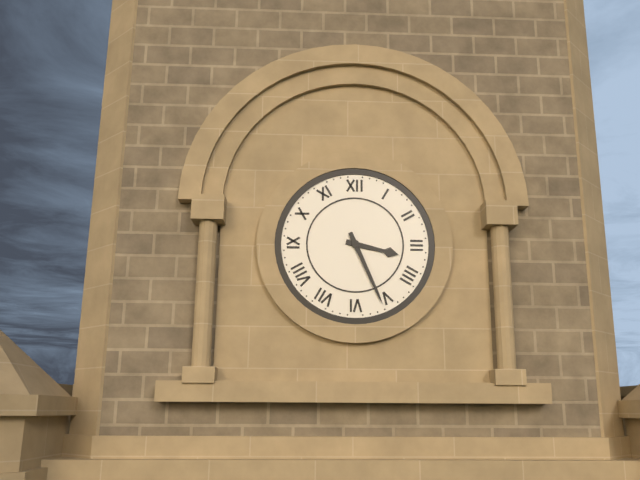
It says 3:26
